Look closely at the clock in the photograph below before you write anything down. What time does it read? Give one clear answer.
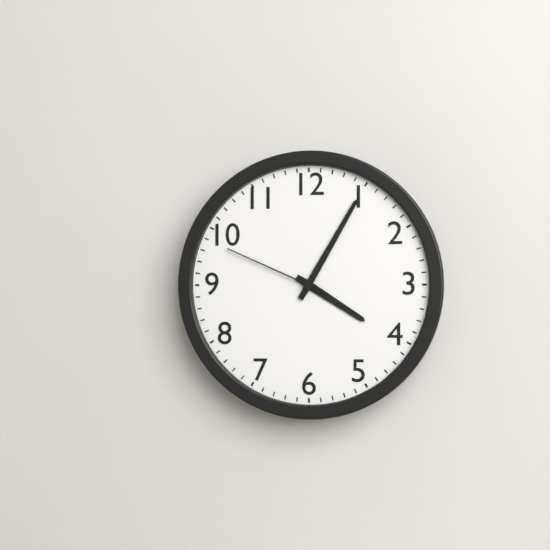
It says 4:05:49
